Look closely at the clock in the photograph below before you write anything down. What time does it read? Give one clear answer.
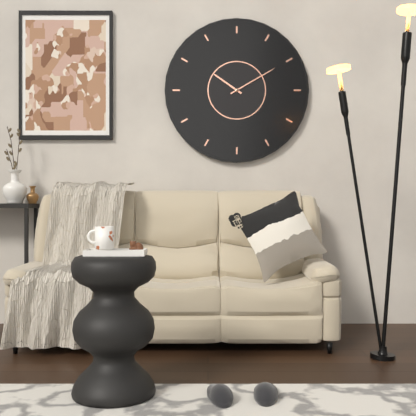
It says 10:10
